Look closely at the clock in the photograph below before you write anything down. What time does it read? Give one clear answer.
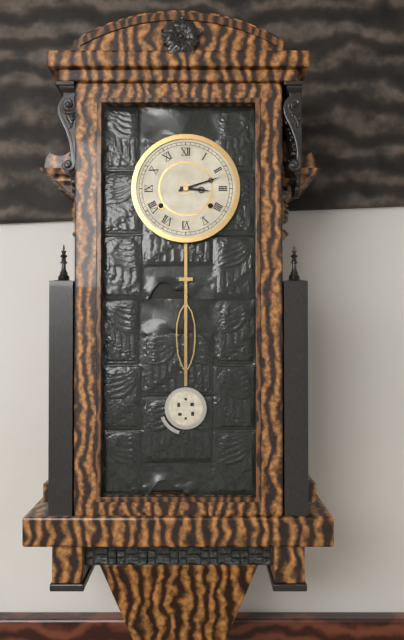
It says 3:12
